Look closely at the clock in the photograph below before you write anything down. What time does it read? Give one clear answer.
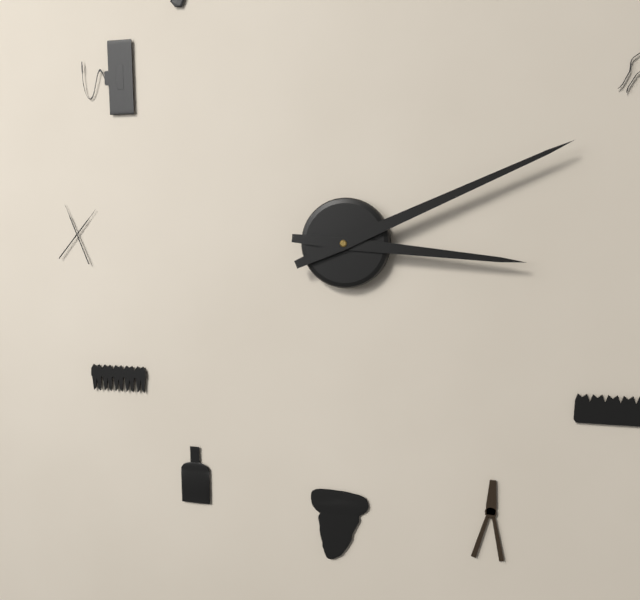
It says 3:11
